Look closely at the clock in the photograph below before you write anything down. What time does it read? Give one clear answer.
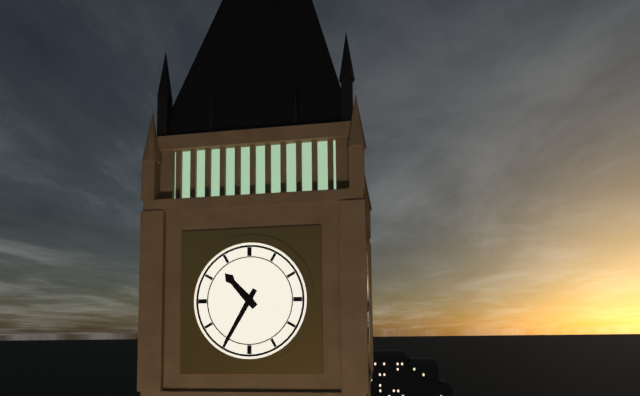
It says 10:35
